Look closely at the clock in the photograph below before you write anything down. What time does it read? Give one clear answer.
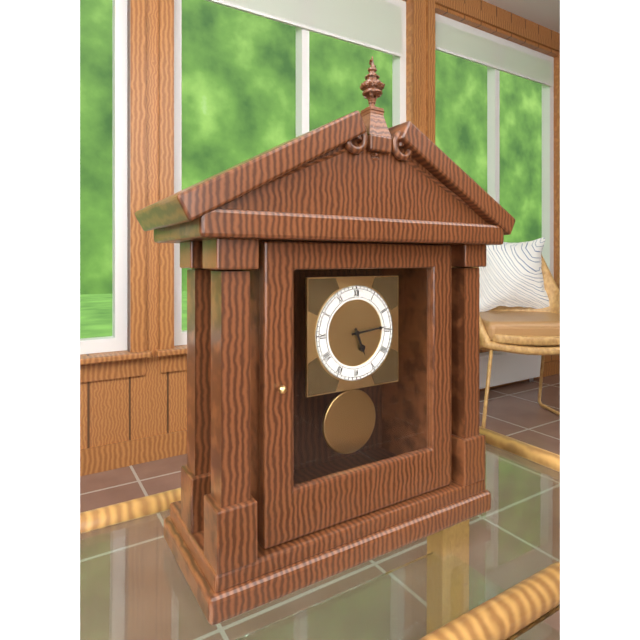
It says 5:14
